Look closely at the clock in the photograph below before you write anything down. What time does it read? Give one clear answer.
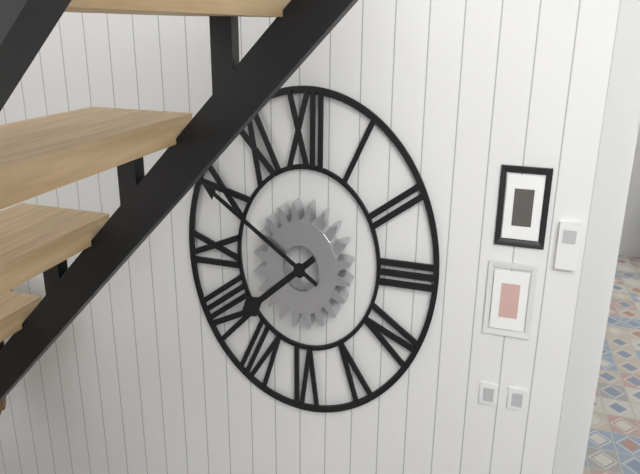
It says 7:50
